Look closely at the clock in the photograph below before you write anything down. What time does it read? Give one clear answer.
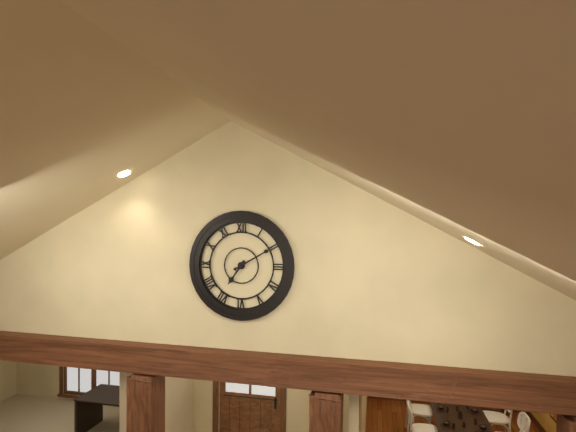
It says 7:10
